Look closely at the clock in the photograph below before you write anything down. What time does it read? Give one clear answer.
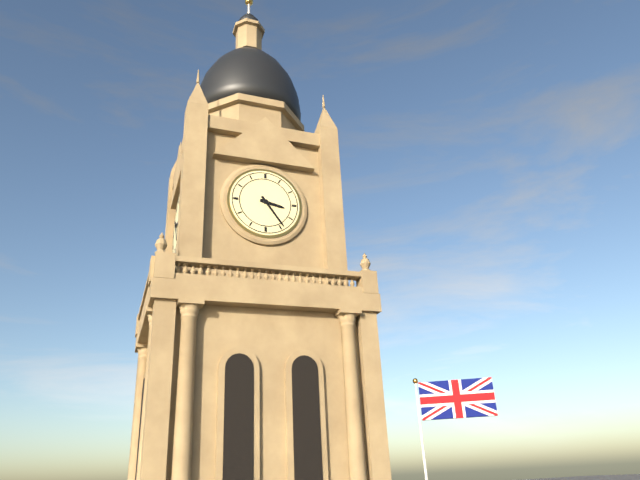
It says 3:24
